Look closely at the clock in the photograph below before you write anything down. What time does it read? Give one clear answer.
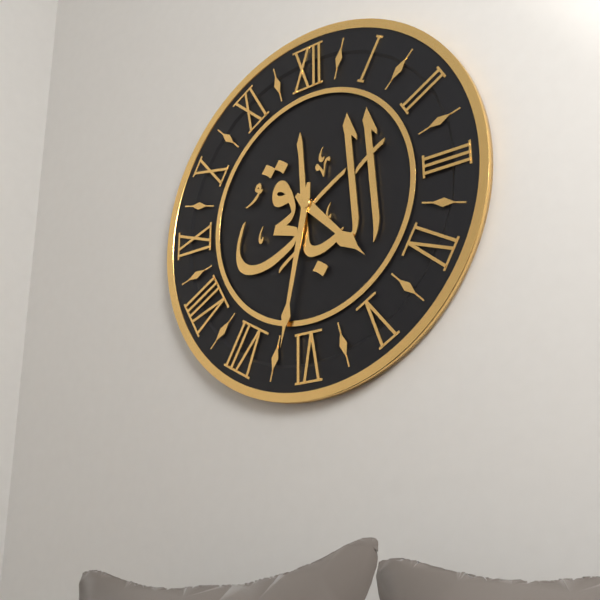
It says 4:32
